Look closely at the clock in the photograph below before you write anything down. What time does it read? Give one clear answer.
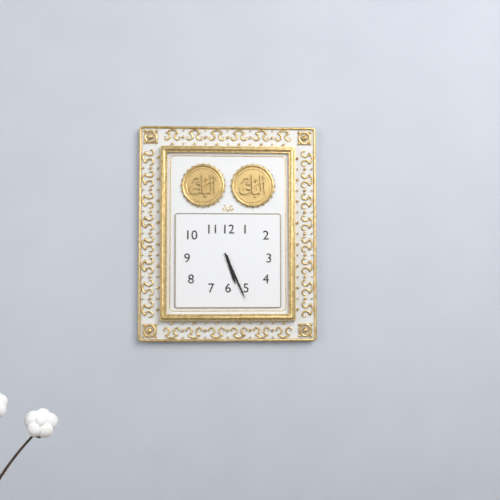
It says 5:26
